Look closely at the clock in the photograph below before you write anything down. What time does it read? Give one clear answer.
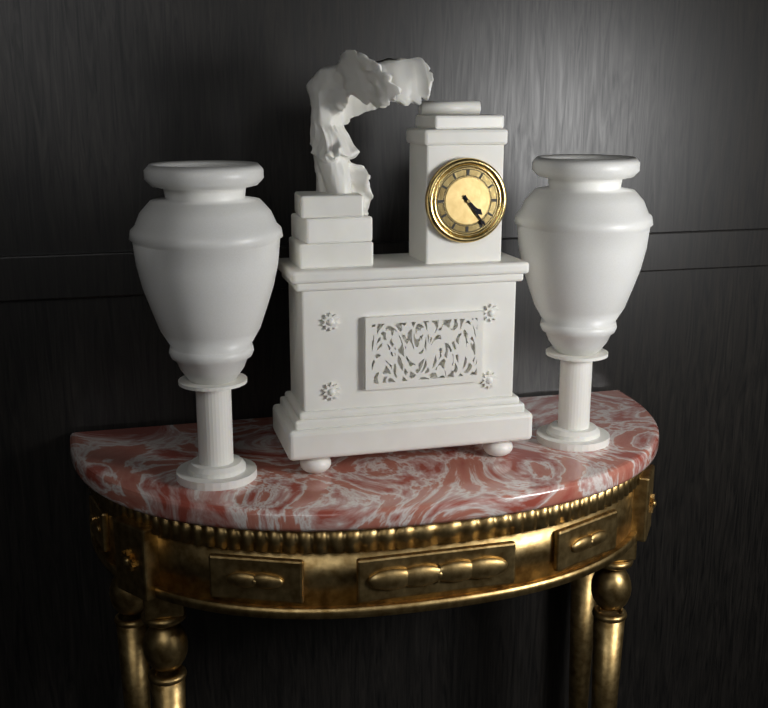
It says 4:24
